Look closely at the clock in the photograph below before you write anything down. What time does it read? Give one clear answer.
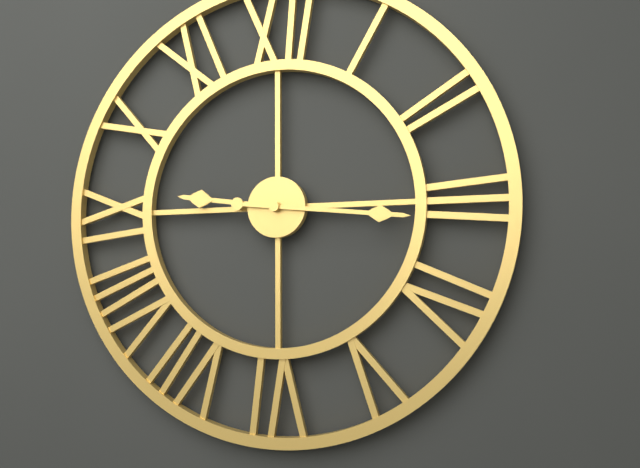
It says 9:16
